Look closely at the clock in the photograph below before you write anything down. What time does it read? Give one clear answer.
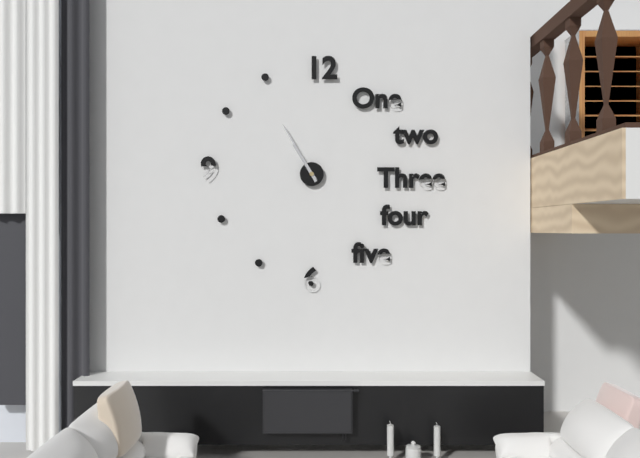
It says 10:55
